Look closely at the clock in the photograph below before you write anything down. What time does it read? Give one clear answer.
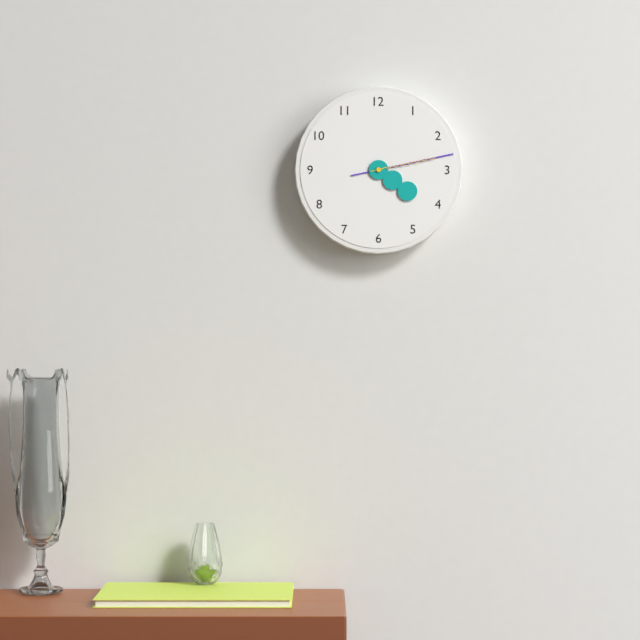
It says 4:13:13
